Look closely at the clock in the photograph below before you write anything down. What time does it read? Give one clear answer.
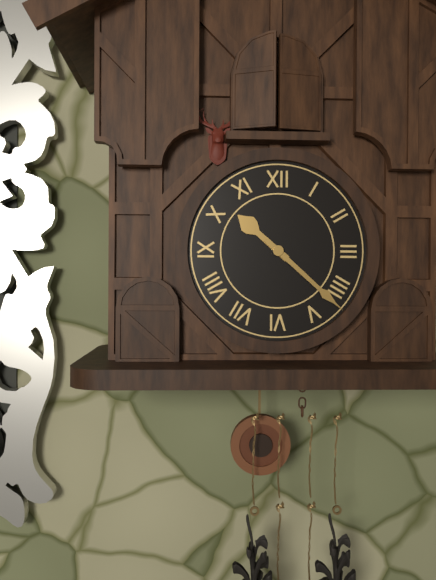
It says 10:22
